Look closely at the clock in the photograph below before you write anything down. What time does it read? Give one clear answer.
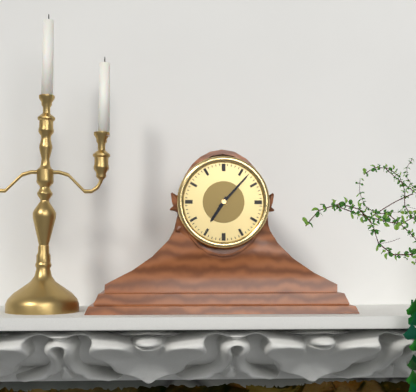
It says 7:07
